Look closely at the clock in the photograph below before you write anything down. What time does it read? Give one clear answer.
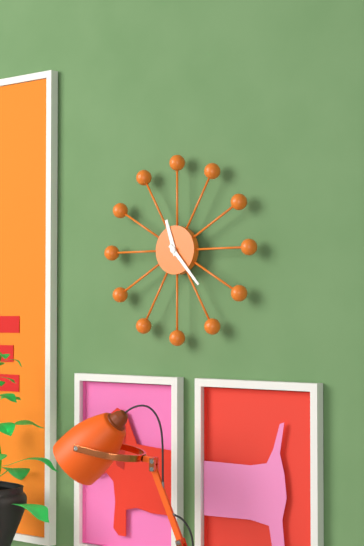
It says 11:23
